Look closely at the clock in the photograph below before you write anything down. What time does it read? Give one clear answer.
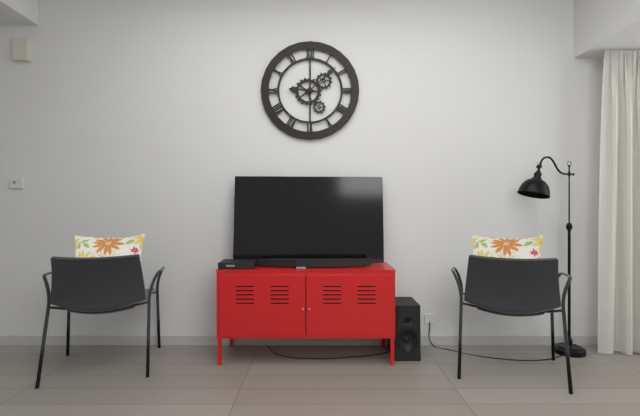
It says 9:08
